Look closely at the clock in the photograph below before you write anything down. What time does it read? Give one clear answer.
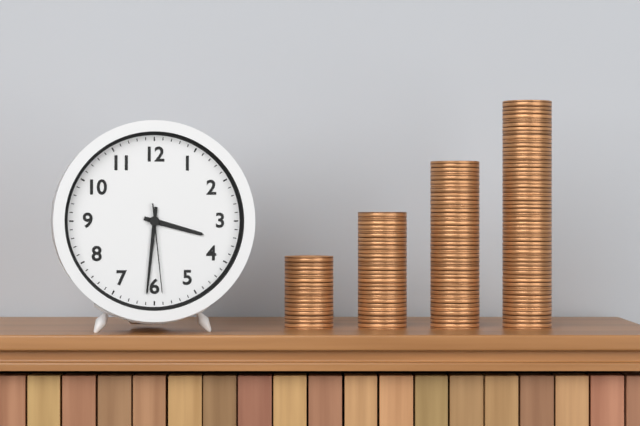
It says 3:31:29
